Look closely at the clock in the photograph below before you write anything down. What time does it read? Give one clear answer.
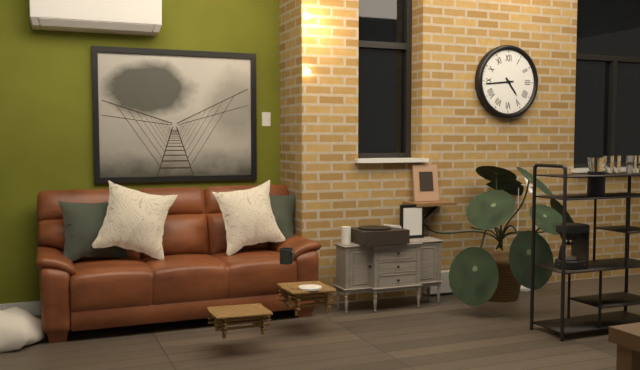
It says 4:44
